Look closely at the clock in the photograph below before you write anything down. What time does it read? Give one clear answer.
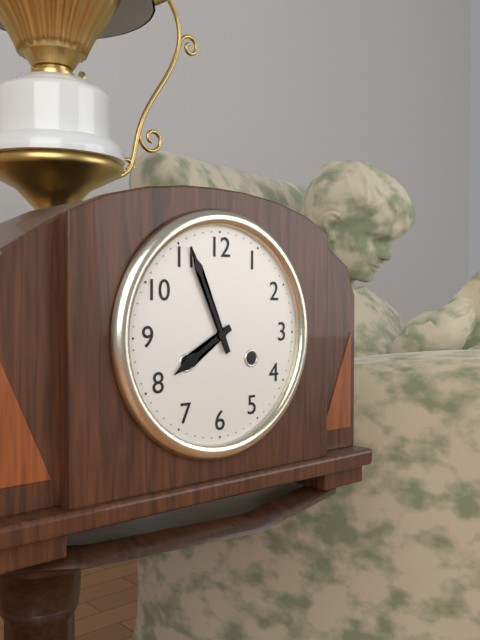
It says 7:56
